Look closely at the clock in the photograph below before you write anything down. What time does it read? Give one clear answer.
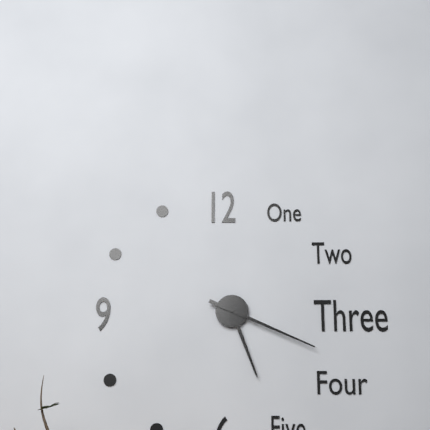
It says 5:19
